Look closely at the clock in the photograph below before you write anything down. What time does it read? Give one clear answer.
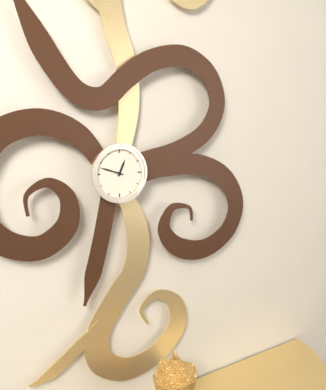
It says 12:48
